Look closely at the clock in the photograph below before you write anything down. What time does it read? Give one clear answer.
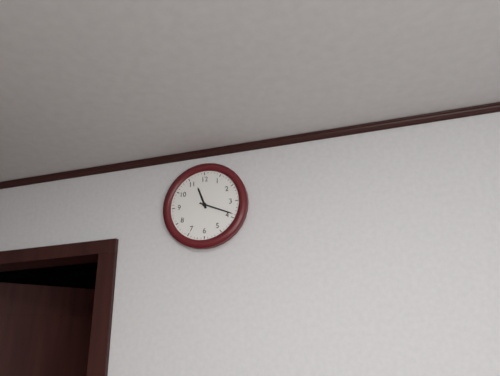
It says 11:19
